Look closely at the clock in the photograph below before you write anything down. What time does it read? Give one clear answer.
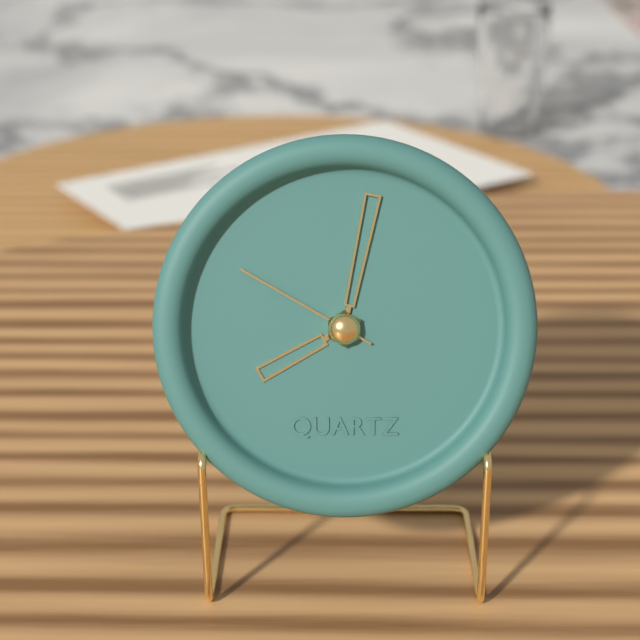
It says 8:02:50
